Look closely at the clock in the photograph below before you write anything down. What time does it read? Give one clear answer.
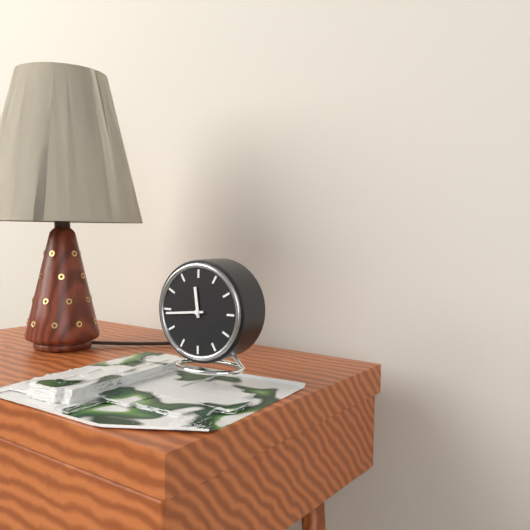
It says 11:44
